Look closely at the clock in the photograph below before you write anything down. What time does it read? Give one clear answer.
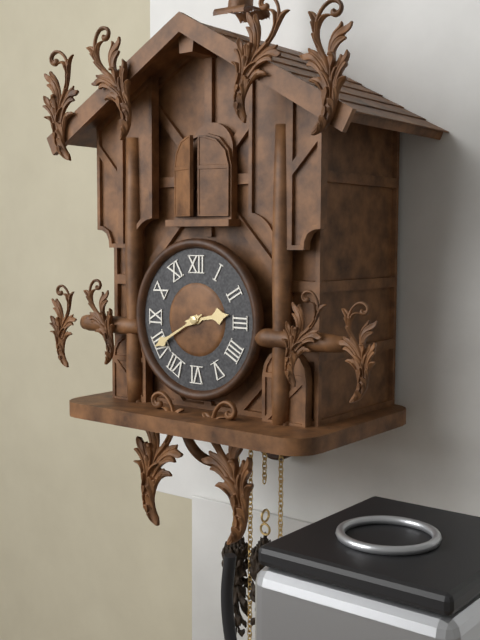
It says 2:40
